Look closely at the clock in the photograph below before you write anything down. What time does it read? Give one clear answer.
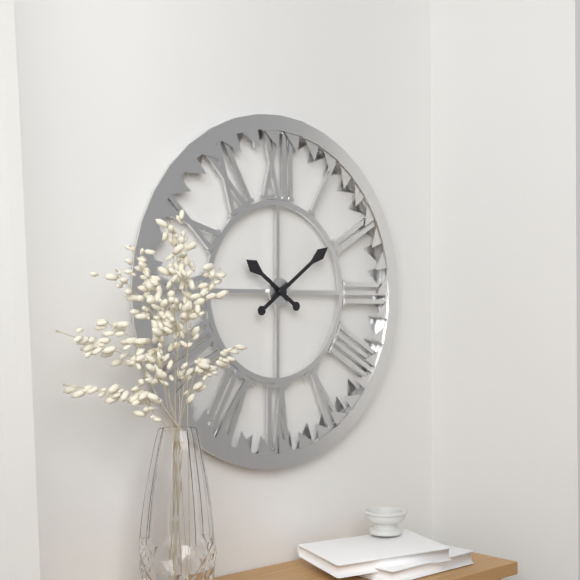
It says 10:09
